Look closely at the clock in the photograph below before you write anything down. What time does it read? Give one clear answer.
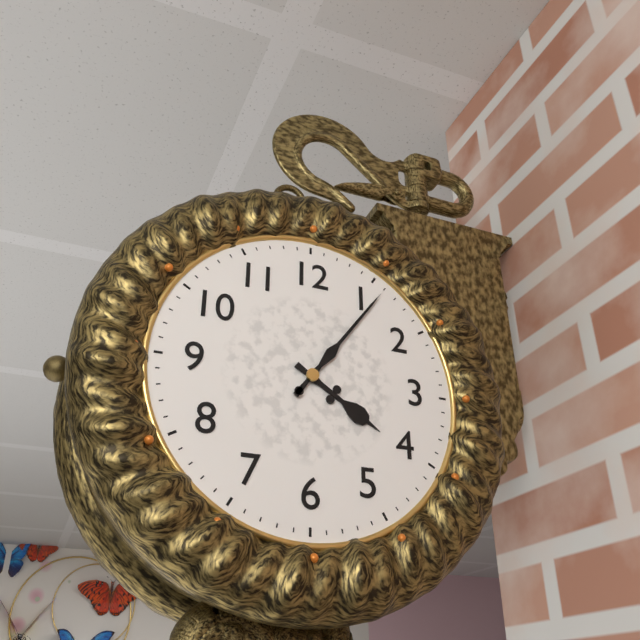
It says 4:06
